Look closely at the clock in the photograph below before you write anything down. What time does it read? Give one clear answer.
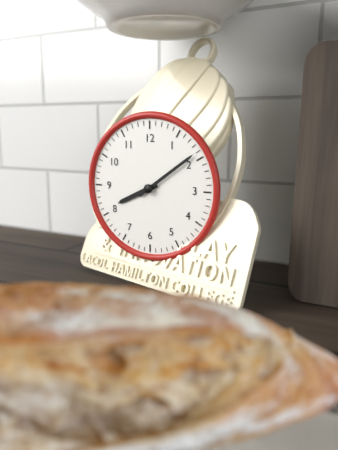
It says 8:09
